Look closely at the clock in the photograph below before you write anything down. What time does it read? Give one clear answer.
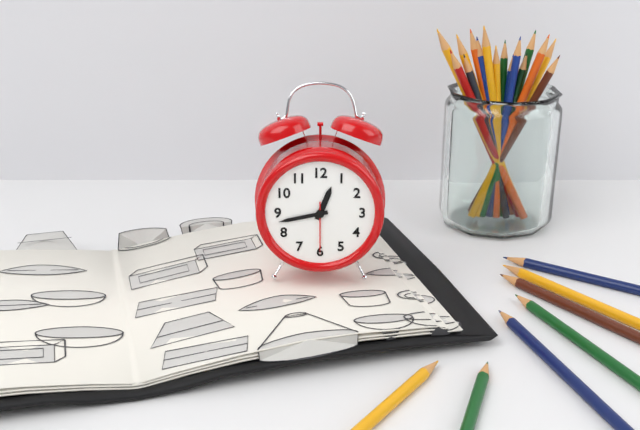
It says 12:43:30
